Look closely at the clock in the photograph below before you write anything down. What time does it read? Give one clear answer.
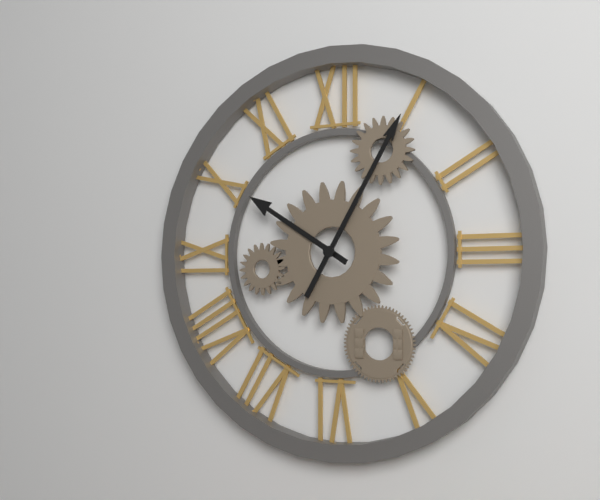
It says 10:05
